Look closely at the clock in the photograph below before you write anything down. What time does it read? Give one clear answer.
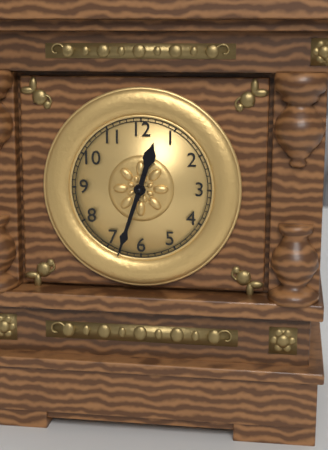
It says 12:33
